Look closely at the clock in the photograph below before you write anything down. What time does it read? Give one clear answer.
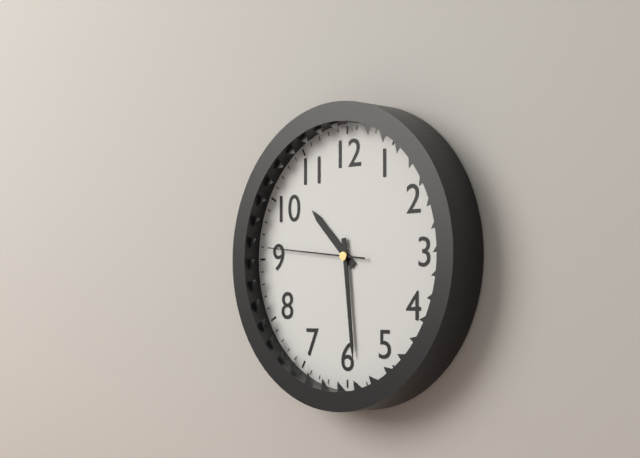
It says 10:29:46
